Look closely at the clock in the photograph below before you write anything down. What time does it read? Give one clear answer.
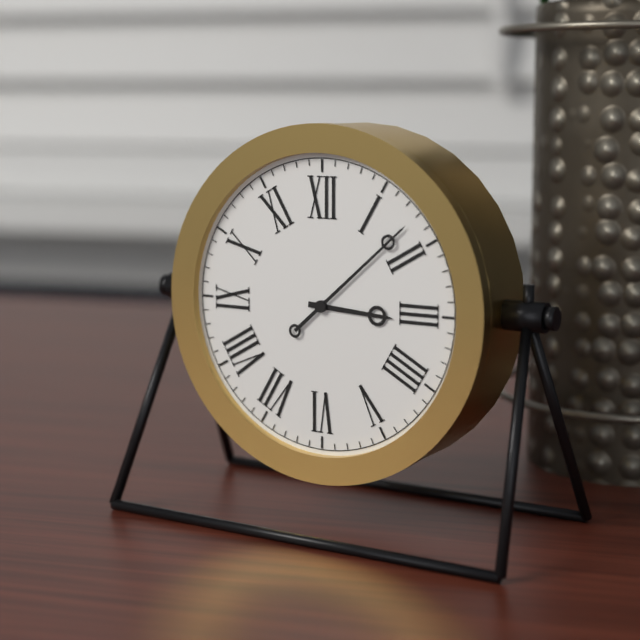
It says 3:08
